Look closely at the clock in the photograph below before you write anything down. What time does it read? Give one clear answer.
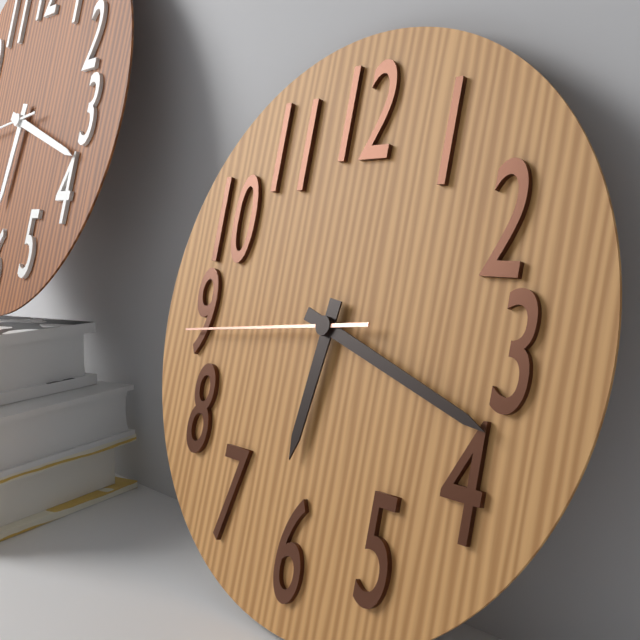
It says 6:18:44
